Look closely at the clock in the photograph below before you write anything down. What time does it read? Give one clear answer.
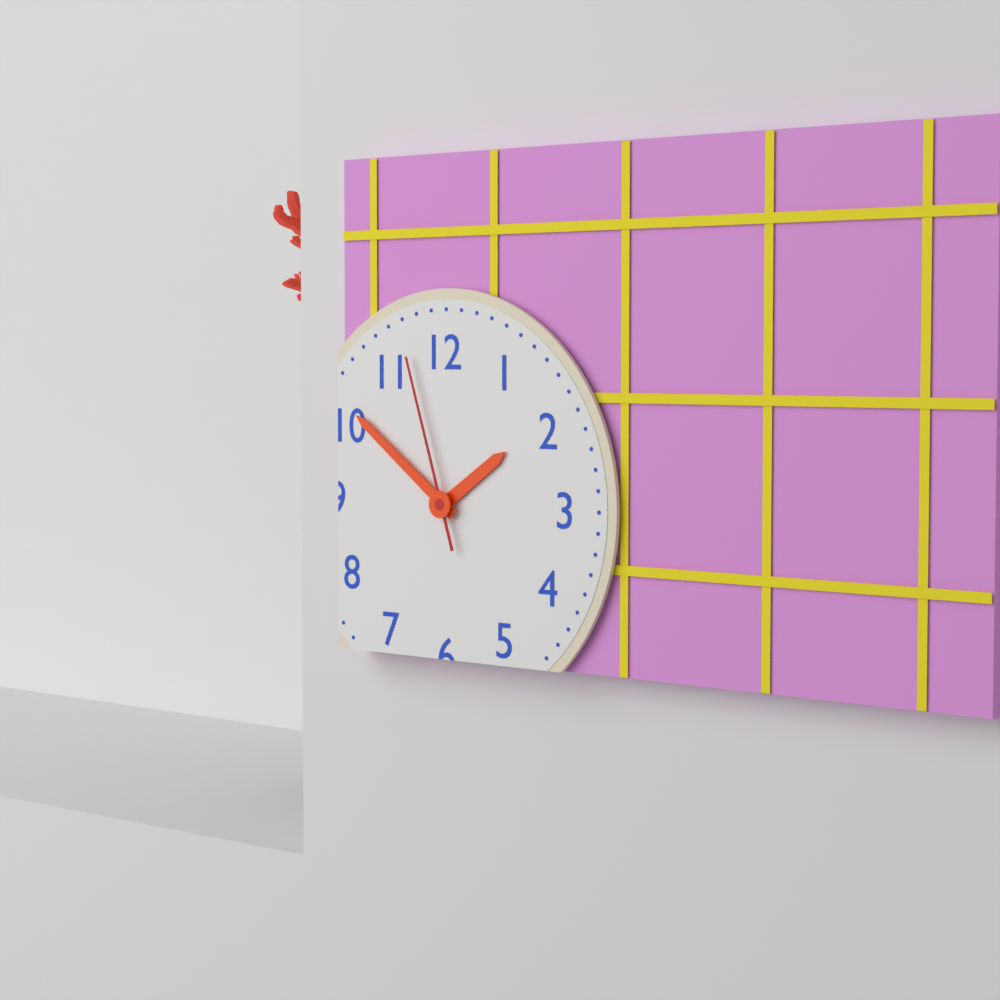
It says 1:51:57
